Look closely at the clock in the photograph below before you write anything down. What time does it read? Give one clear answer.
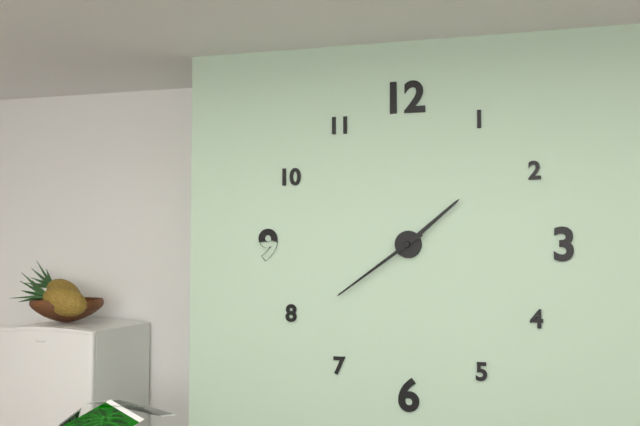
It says 1:39
